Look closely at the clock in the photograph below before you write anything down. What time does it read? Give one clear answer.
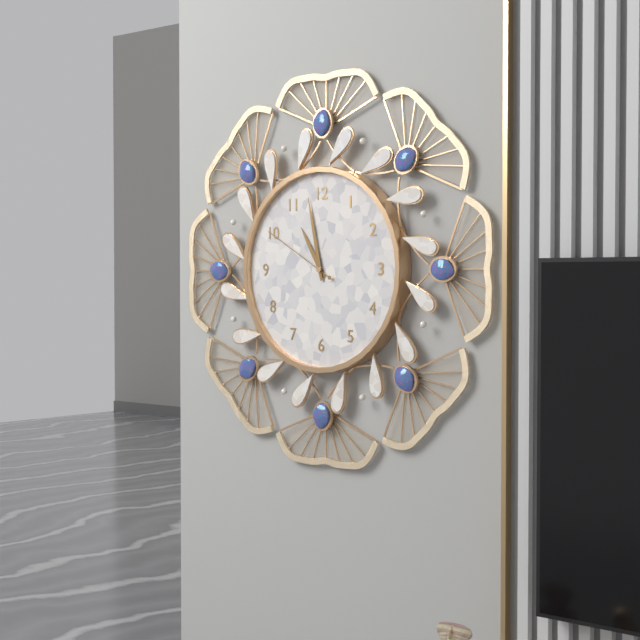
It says 10:58:50
